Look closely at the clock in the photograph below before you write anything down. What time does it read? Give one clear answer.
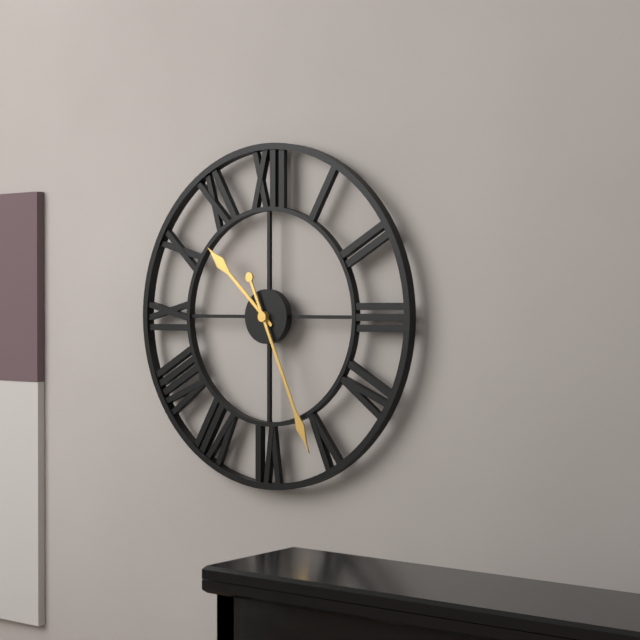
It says 10:26
